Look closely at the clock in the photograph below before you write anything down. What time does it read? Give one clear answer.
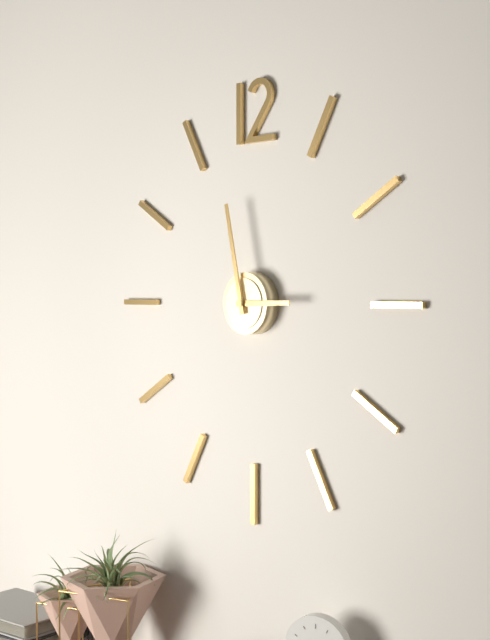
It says 2:58
